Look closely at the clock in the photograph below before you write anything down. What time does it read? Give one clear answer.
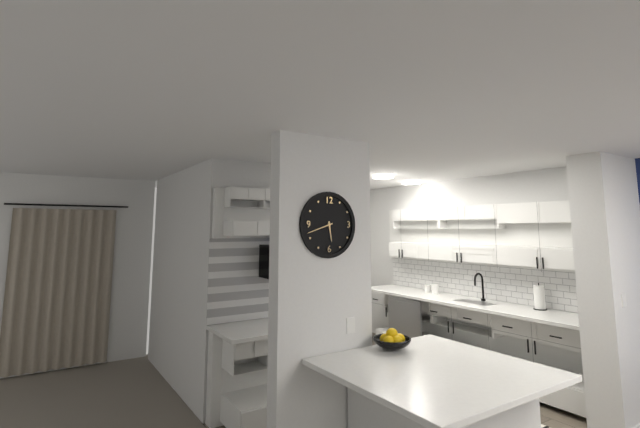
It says 5:42
